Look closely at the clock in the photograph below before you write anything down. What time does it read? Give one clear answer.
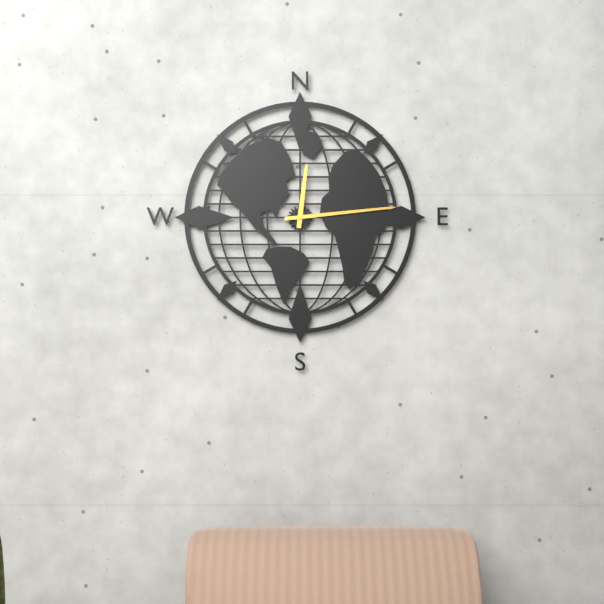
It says 12:14
